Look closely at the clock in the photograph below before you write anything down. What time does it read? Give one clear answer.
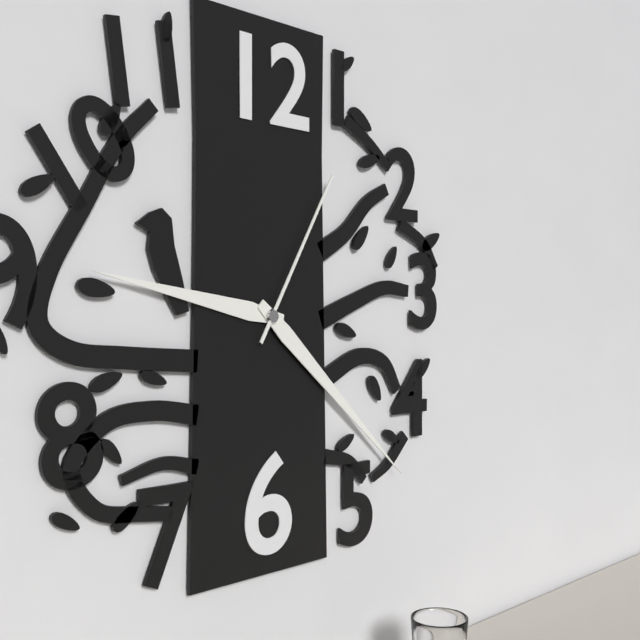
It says 9:22:05
